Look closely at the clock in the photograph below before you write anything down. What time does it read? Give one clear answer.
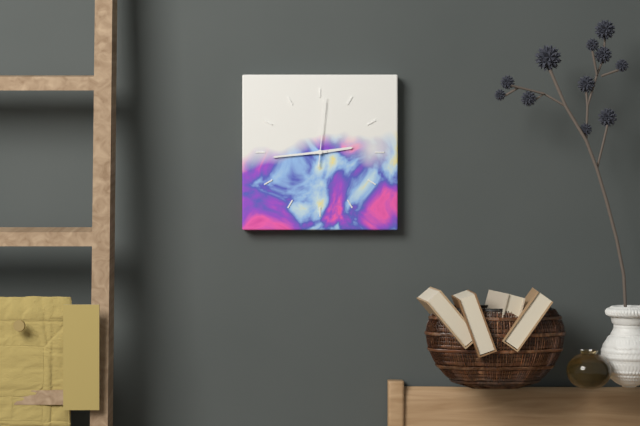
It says 2:44:01
